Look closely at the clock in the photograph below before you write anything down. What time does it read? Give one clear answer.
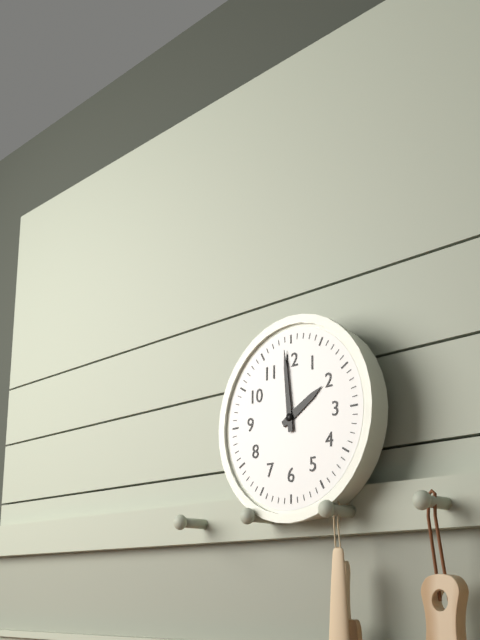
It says 1:59
